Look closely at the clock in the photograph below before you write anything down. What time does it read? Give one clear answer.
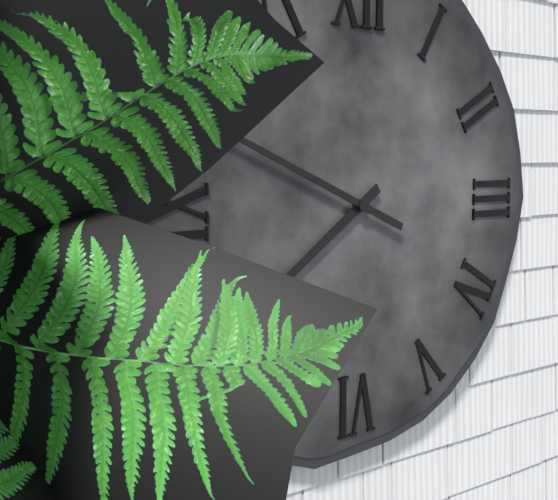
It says 7:49
